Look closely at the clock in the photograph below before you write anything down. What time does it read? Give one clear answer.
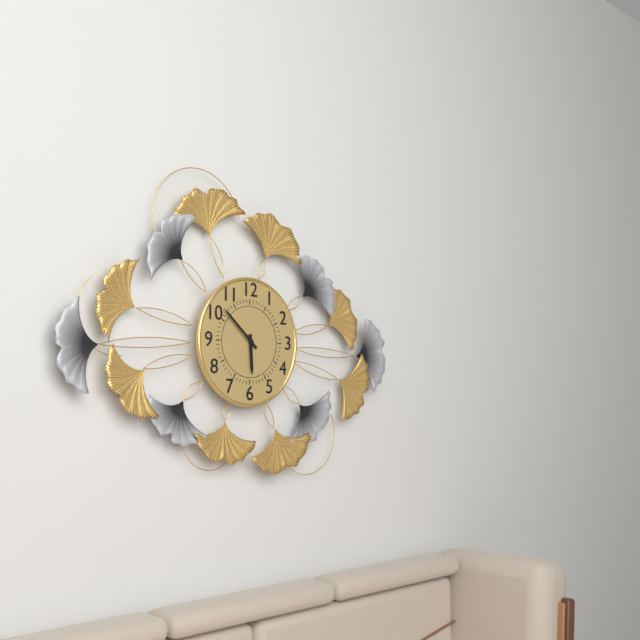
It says 5:52
